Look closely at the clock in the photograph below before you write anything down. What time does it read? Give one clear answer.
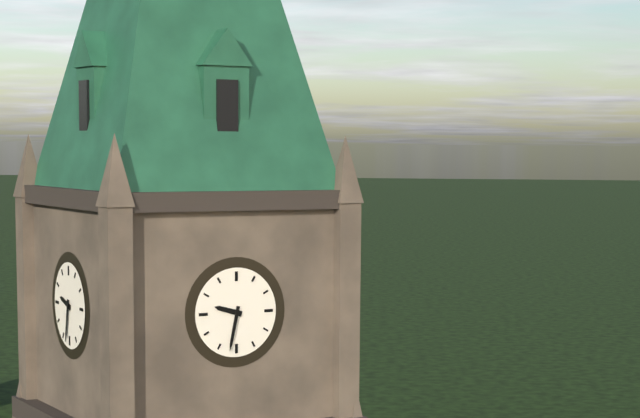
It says 9:32
